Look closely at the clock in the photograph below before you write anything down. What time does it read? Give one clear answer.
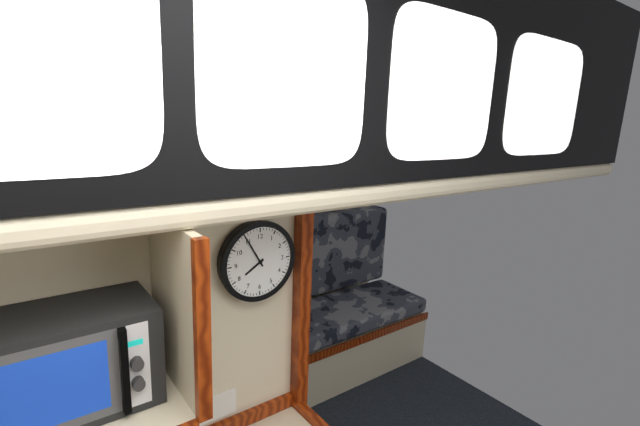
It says 7:55
